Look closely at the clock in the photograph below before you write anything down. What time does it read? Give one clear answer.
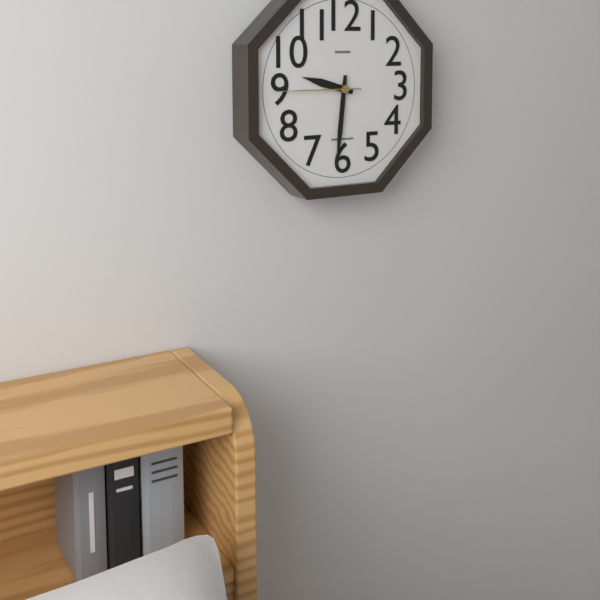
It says 9:31:45
